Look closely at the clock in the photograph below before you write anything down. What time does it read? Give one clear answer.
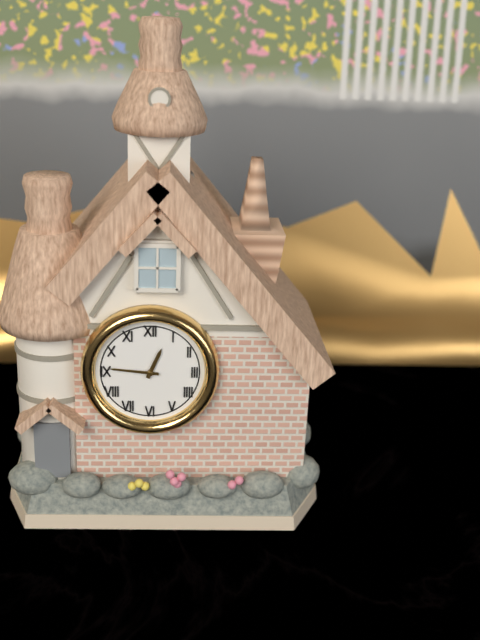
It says 12:46
